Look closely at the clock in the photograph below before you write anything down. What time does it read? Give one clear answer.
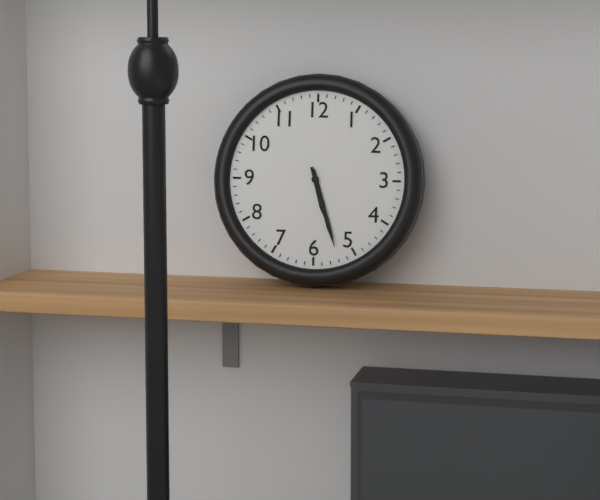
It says 5:27
